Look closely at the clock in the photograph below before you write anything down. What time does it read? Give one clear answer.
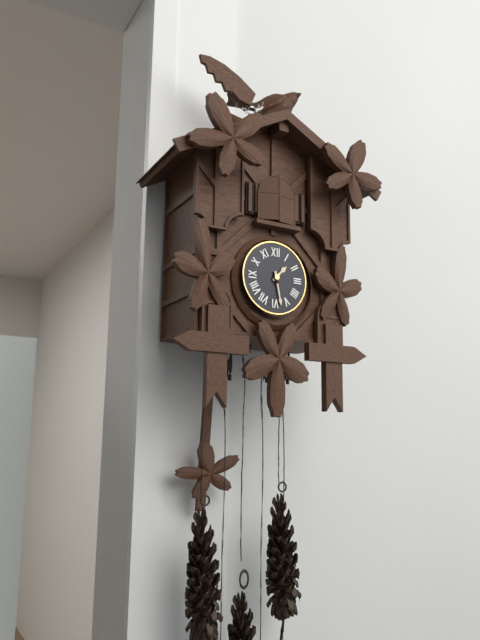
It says 1:28
